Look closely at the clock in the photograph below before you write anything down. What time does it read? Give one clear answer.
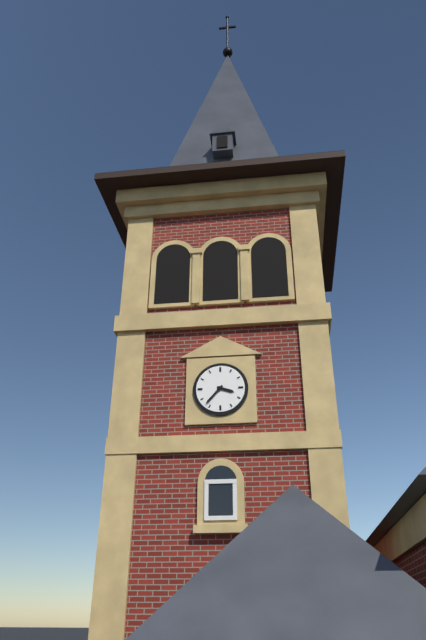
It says 3:37
